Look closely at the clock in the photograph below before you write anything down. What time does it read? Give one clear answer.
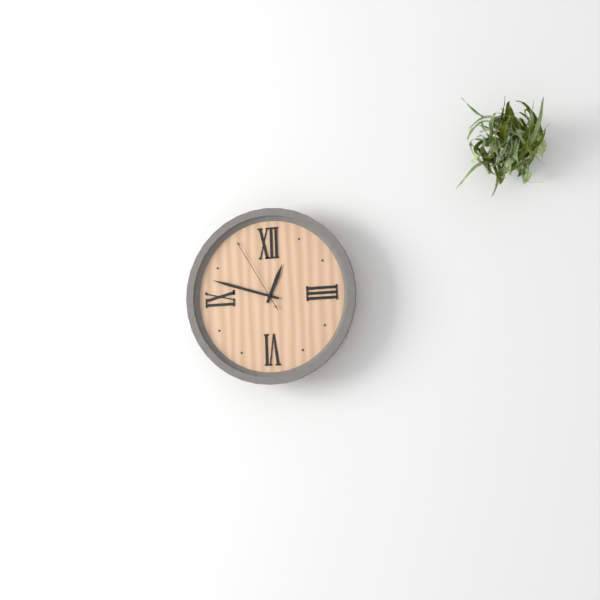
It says 12:48:55
